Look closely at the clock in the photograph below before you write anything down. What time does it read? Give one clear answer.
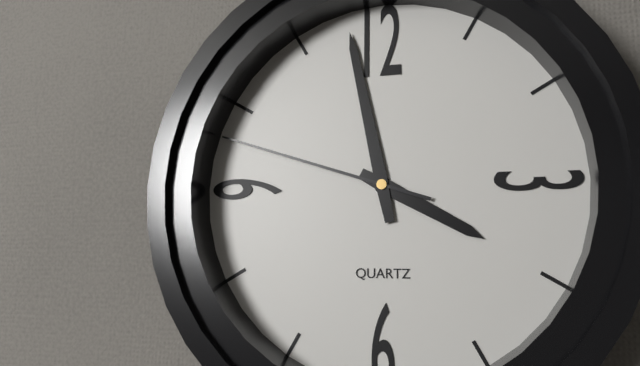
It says 3:58:48
